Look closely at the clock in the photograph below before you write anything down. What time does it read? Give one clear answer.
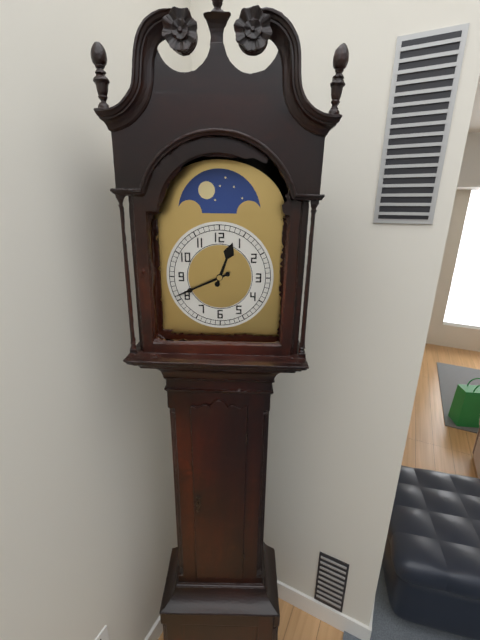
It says 12:41
